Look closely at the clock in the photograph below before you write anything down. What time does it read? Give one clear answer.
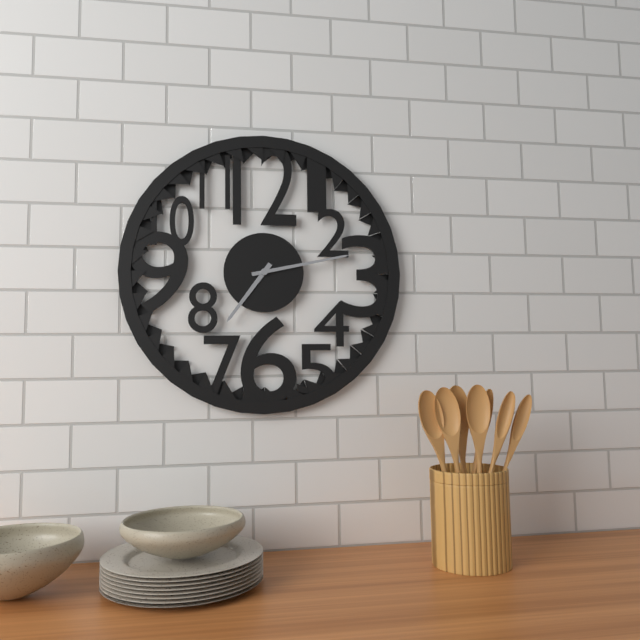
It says 7:13
